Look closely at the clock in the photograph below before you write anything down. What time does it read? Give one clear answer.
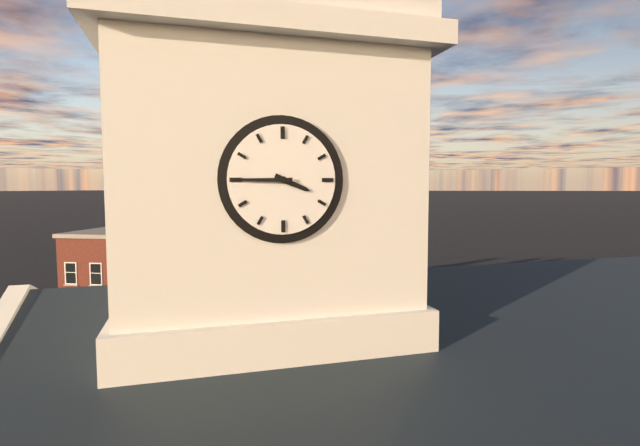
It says 3:45
